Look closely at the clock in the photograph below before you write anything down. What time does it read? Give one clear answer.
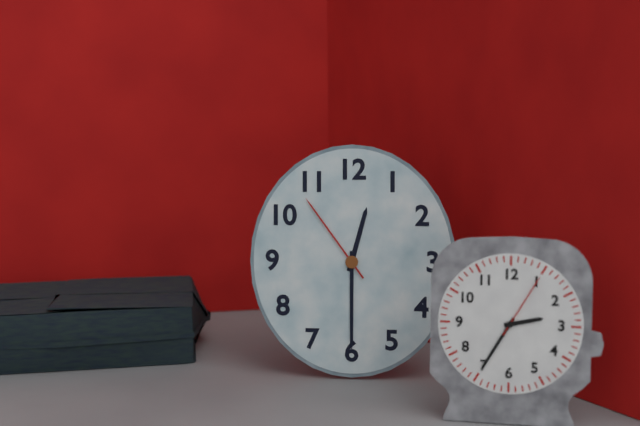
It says 12:30:54
